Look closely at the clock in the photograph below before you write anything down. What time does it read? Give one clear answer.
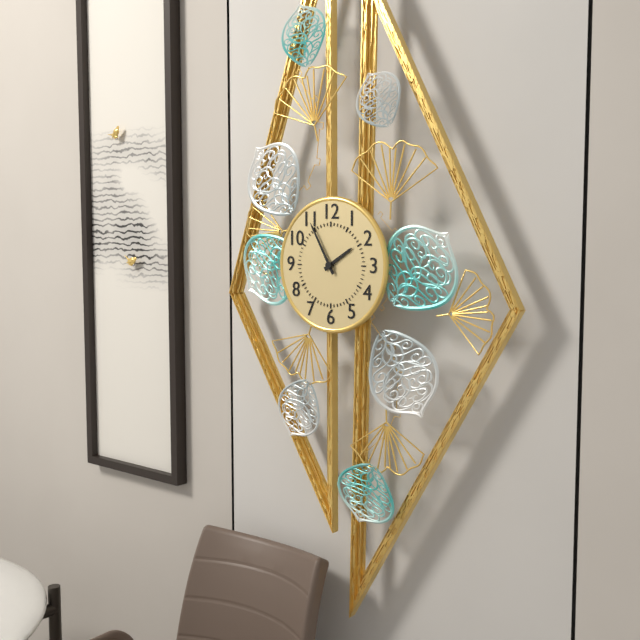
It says 1:55
